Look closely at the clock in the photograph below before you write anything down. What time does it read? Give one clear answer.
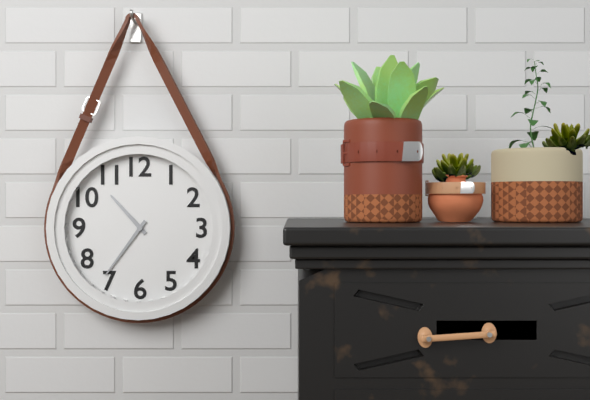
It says 10:36
